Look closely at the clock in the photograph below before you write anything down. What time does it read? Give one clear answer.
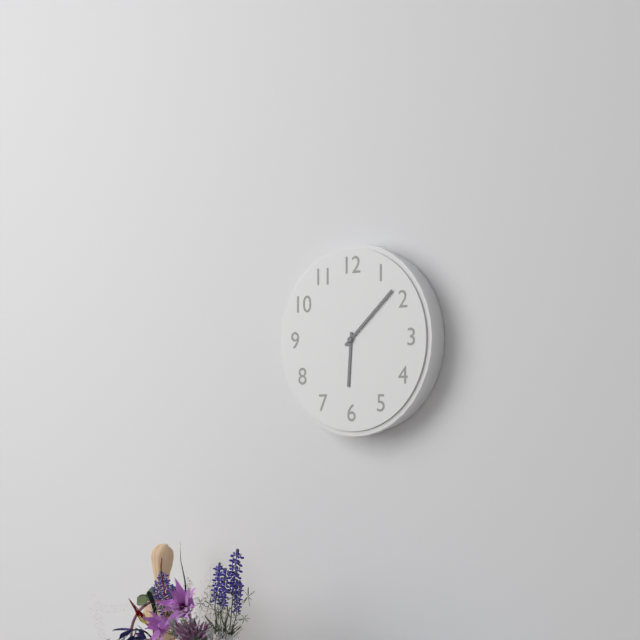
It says 6:08
